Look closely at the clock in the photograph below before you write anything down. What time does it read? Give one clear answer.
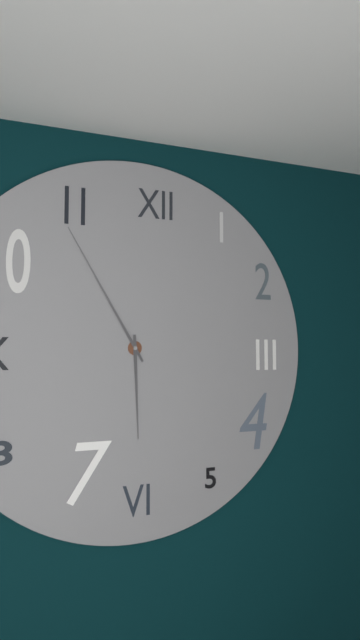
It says 5:55
